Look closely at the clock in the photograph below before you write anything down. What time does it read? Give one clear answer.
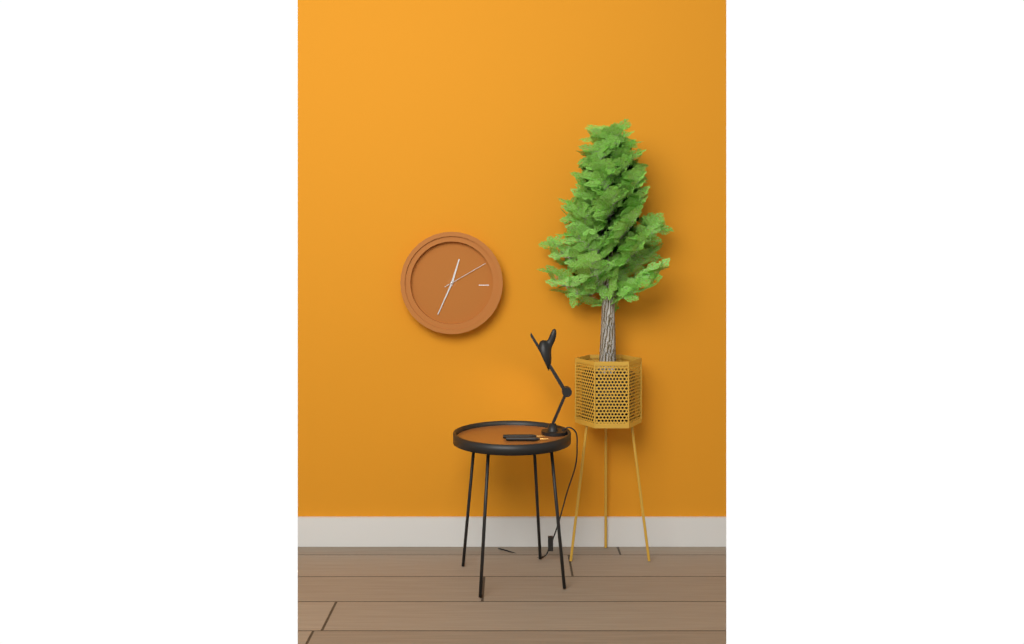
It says 12:34
